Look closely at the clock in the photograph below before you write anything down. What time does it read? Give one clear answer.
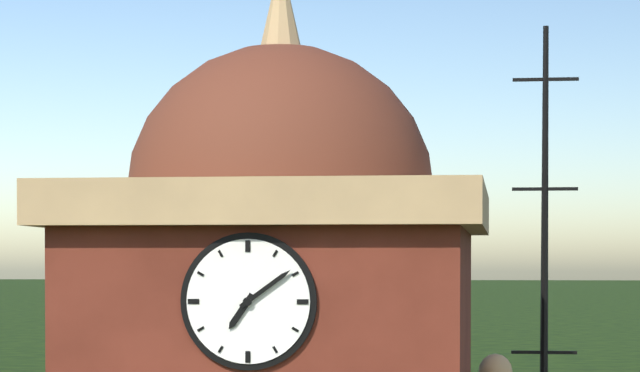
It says 7:09
